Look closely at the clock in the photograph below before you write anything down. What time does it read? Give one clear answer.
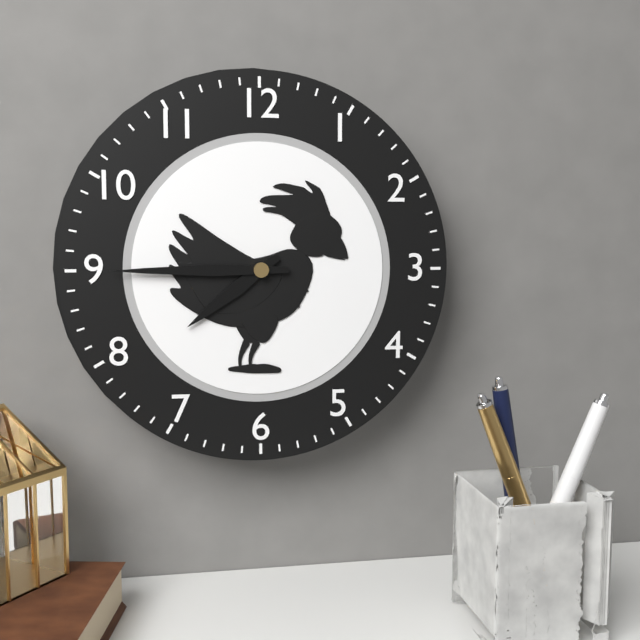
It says 7:45
